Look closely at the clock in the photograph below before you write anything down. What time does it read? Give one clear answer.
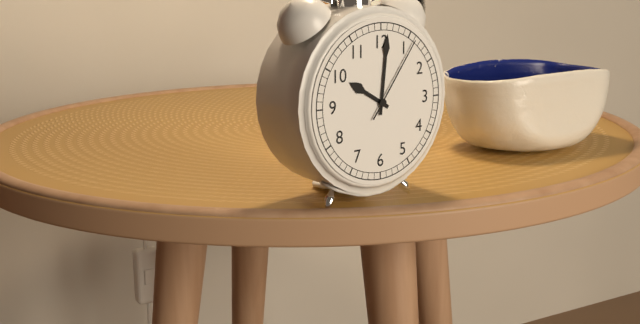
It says 10:01:06
